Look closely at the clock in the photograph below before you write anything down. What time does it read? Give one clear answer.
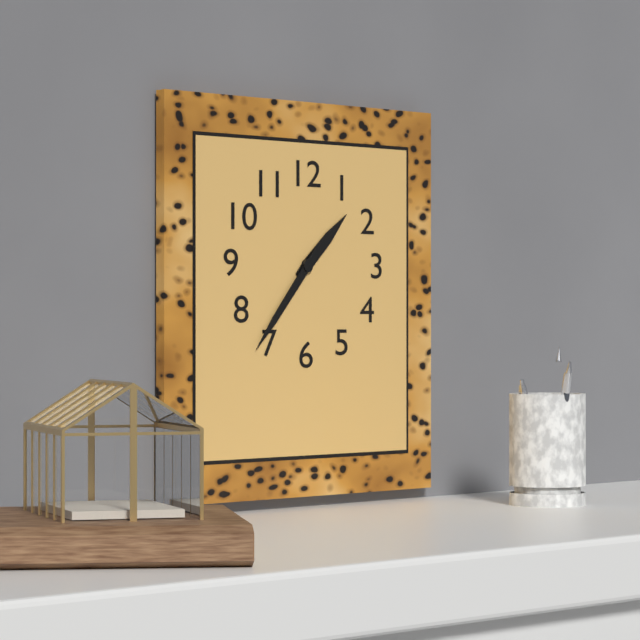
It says 1:37
